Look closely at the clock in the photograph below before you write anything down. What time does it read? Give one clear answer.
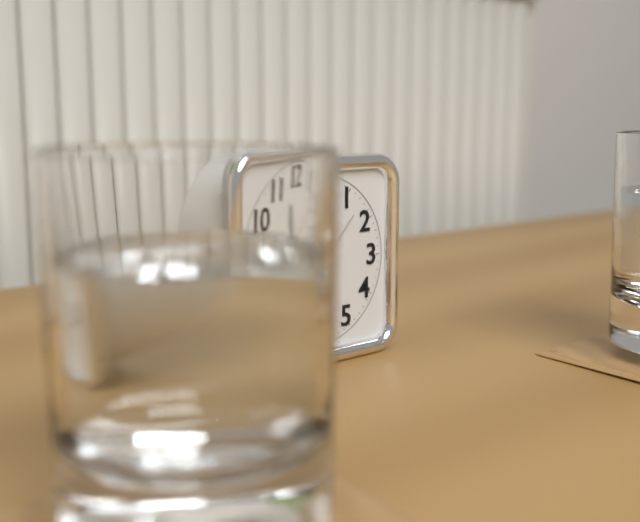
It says 11:35:07
